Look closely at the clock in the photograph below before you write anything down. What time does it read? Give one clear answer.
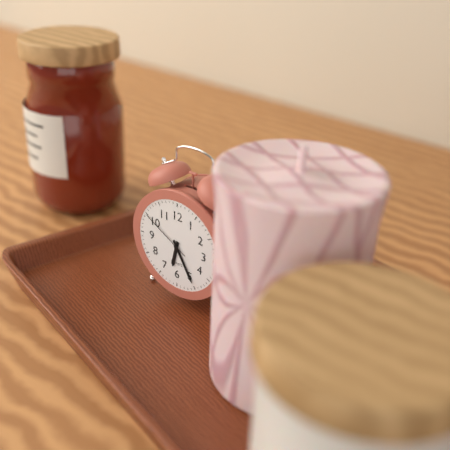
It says 6:25:50
